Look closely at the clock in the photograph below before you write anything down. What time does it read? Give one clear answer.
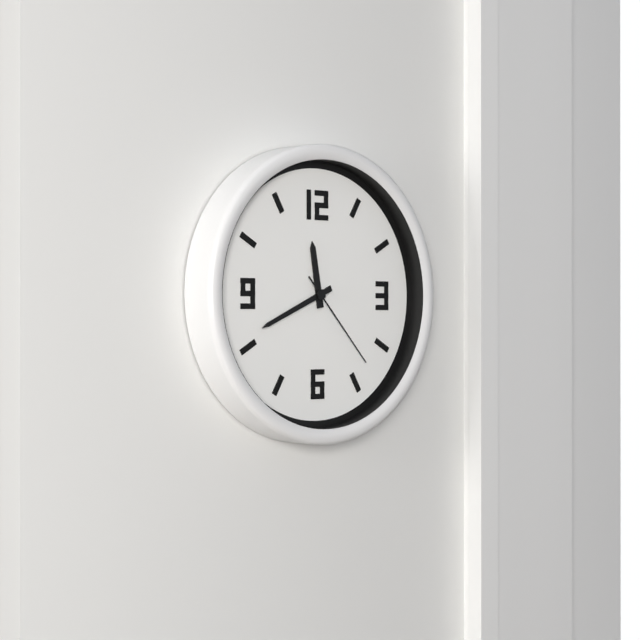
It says 11:41:23
